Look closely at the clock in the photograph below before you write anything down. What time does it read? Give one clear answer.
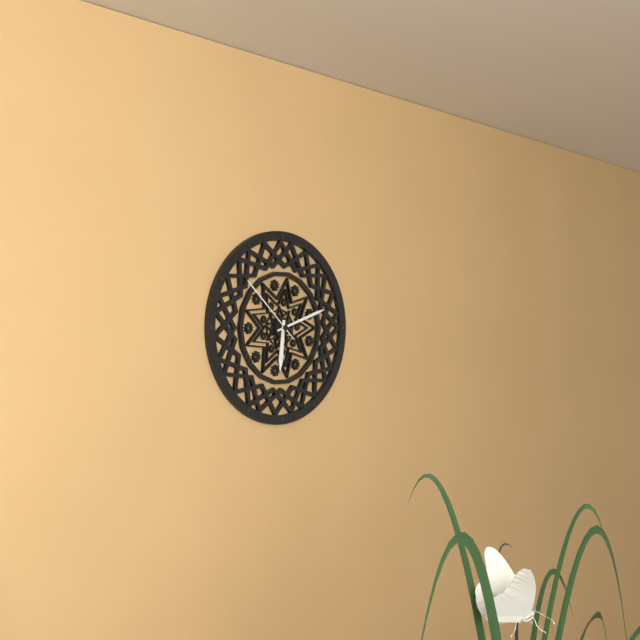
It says 6:12:52
